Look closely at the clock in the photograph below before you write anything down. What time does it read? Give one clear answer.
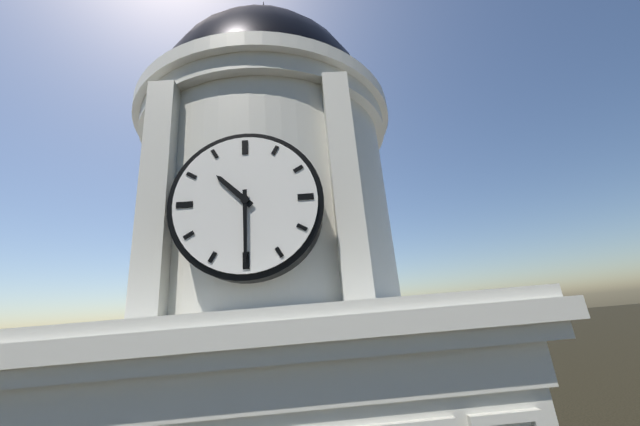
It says 10:30
